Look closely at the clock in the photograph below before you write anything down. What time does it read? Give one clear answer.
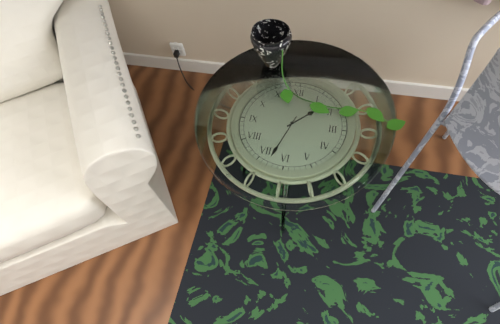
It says 1:33
